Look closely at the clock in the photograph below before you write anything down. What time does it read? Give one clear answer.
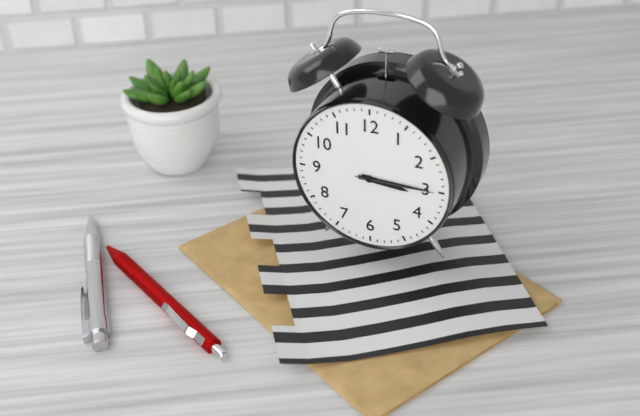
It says 3:15:15
